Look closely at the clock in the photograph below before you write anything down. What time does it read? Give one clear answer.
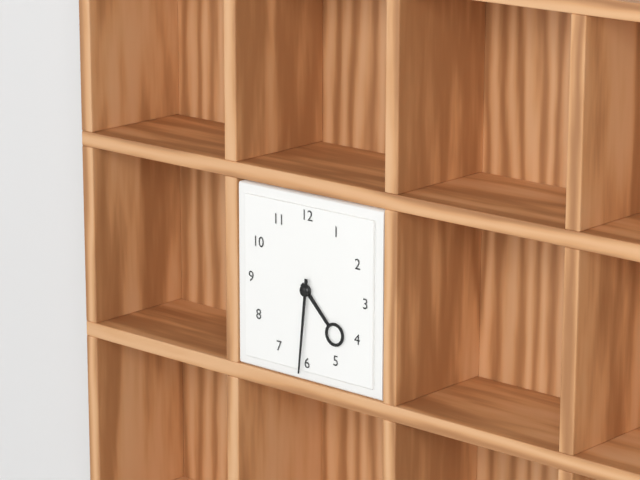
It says 4:31
